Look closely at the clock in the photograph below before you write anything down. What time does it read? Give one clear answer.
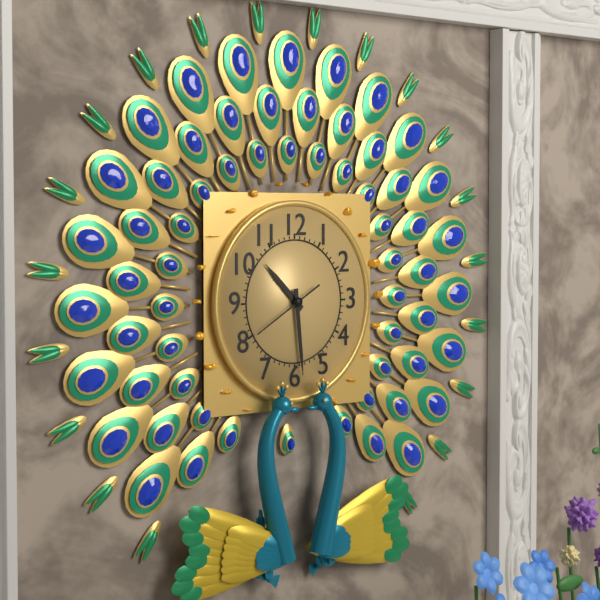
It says 10:29:40
